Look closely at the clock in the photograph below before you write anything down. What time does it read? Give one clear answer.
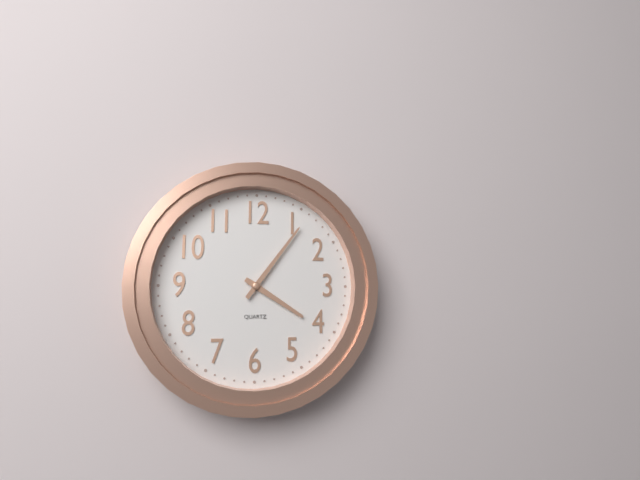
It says 4:06
